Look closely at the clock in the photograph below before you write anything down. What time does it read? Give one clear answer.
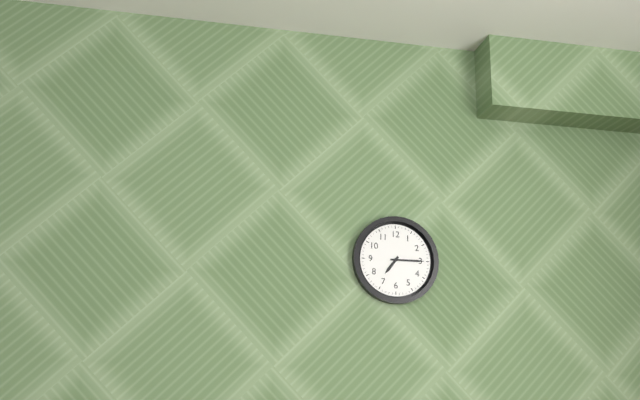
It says 7:15
